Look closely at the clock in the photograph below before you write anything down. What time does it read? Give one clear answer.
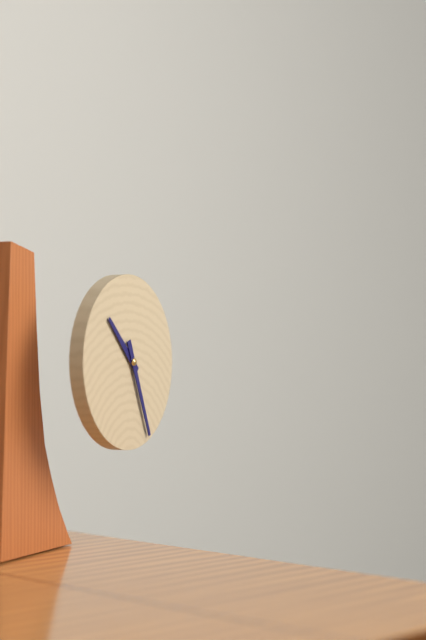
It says 10:26
